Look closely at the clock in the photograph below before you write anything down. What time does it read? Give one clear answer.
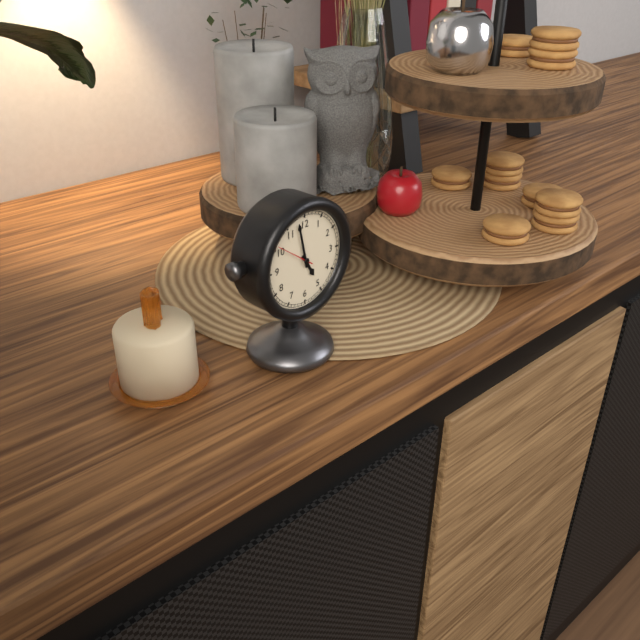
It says 4:58
